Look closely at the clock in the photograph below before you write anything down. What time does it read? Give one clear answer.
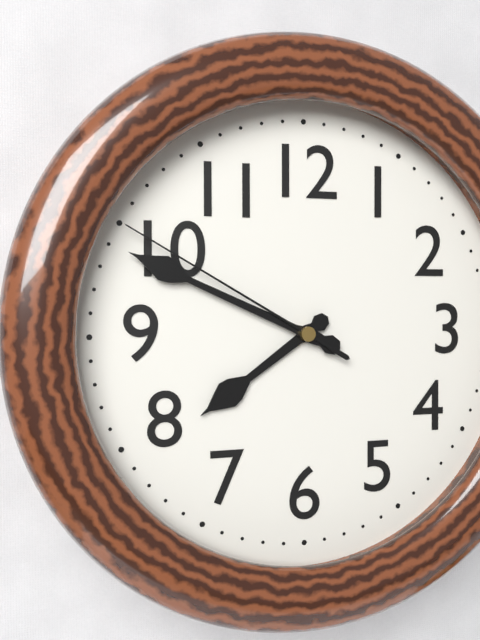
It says 7:49:50
